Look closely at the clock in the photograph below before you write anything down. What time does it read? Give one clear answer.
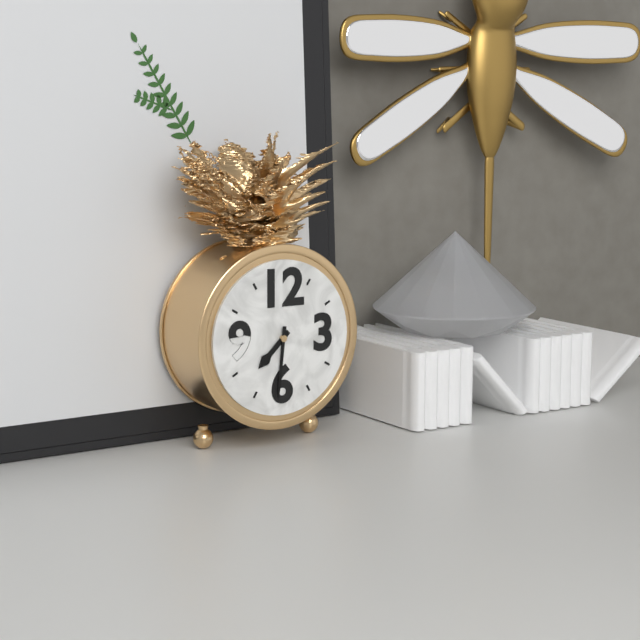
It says 7:31
